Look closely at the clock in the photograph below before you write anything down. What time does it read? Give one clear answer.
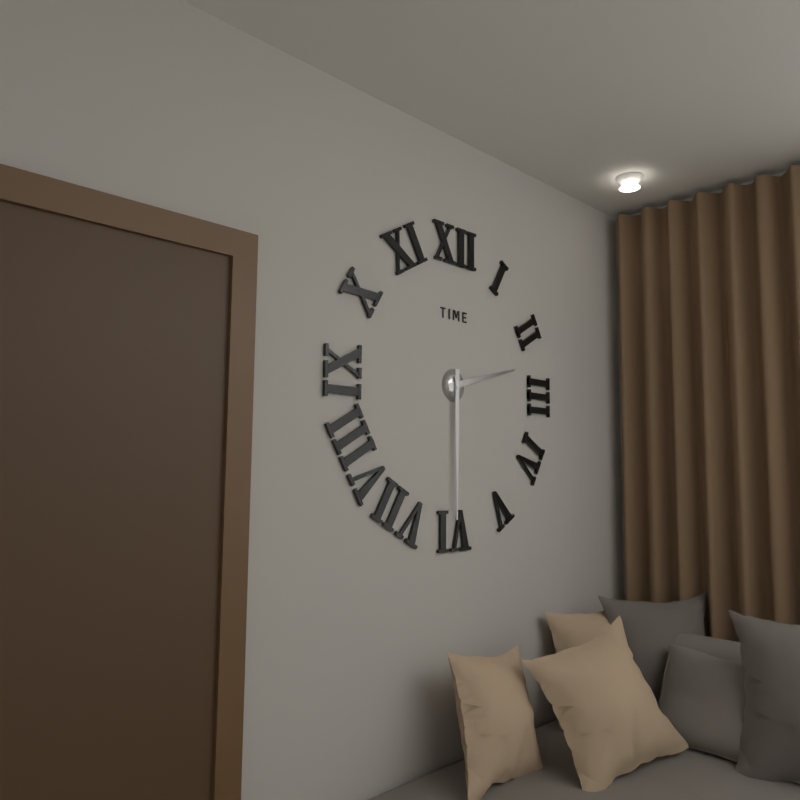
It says 2:30
